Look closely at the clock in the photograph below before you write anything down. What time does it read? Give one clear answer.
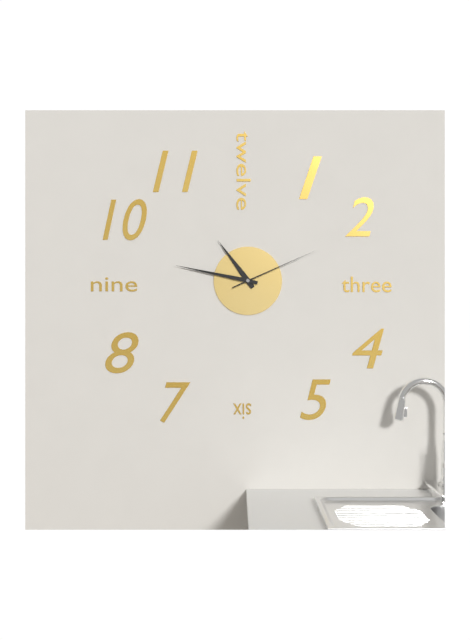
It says 10:47:11
